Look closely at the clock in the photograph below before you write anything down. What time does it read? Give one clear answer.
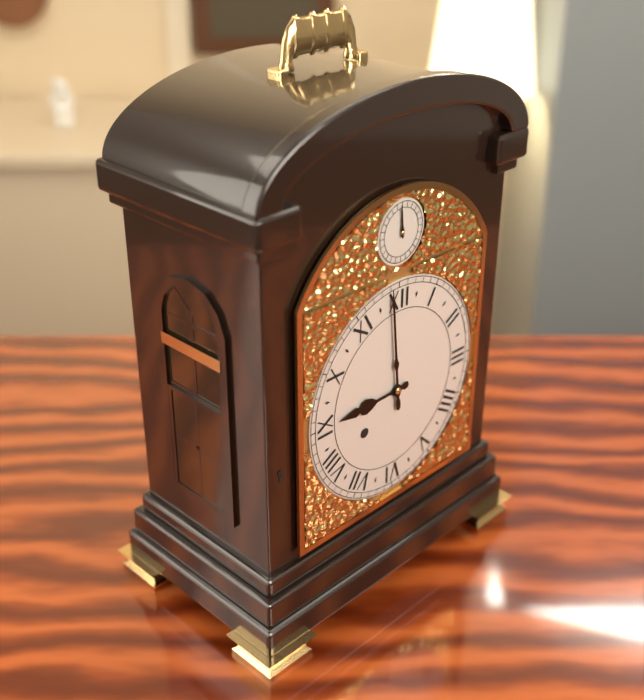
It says 8:59
